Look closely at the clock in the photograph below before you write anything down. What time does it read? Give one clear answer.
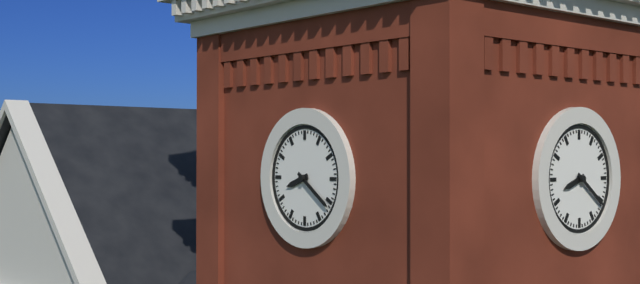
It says 8:21
